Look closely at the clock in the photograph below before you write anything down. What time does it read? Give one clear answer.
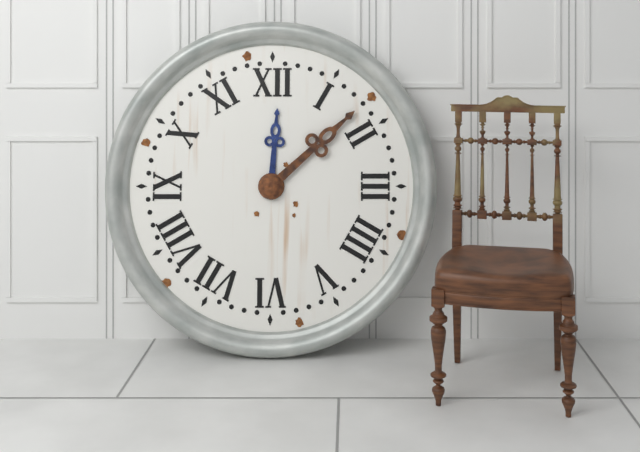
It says 12:08
